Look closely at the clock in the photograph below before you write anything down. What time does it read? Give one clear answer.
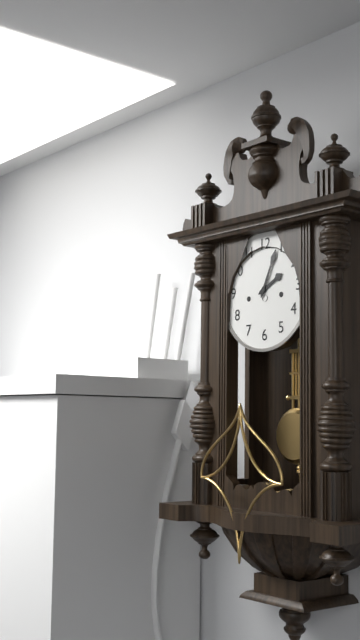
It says 2:04
